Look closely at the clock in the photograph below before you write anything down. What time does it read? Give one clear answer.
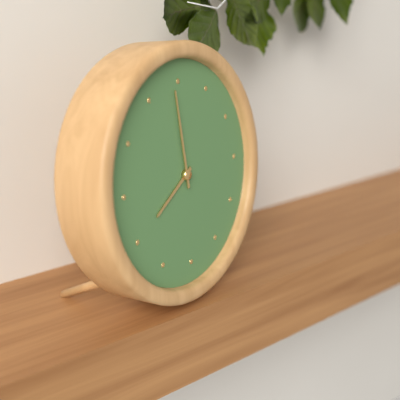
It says 7:59
